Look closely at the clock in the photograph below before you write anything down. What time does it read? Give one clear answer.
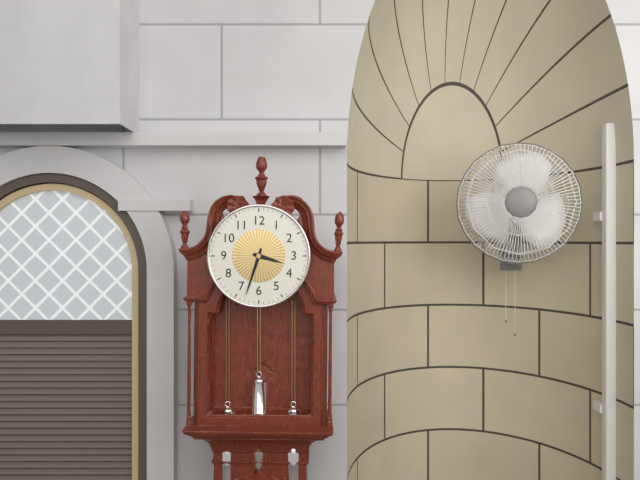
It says 3:33
